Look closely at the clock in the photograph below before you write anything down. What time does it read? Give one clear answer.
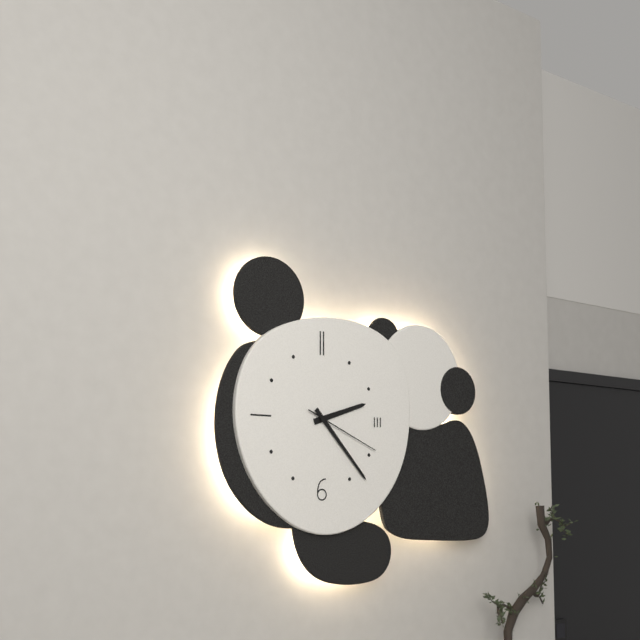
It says 2:23:19
